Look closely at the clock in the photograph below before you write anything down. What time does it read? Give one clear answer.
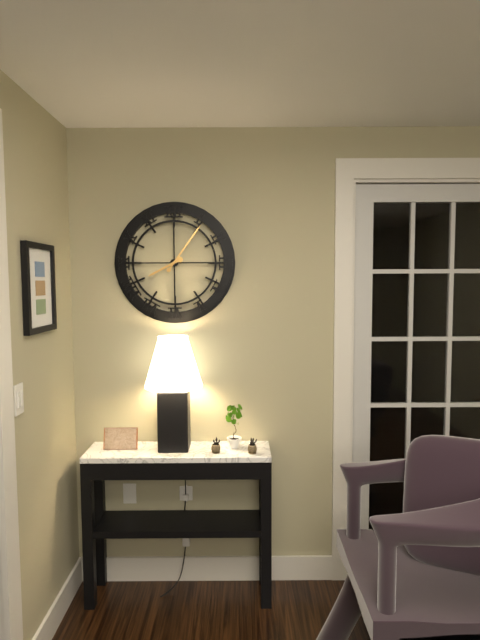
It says 8:06
